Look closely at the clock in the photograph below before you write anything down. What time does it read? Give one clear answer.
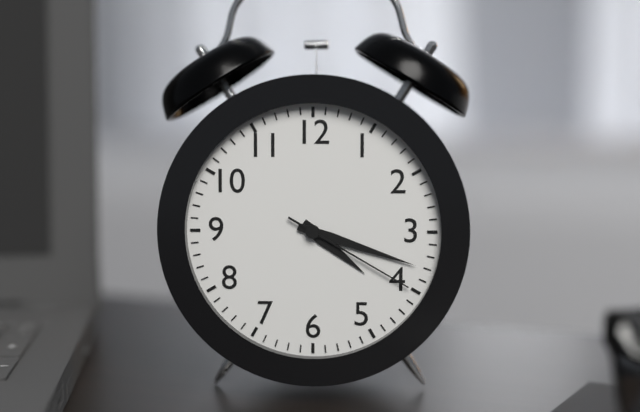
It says 4:18:20
